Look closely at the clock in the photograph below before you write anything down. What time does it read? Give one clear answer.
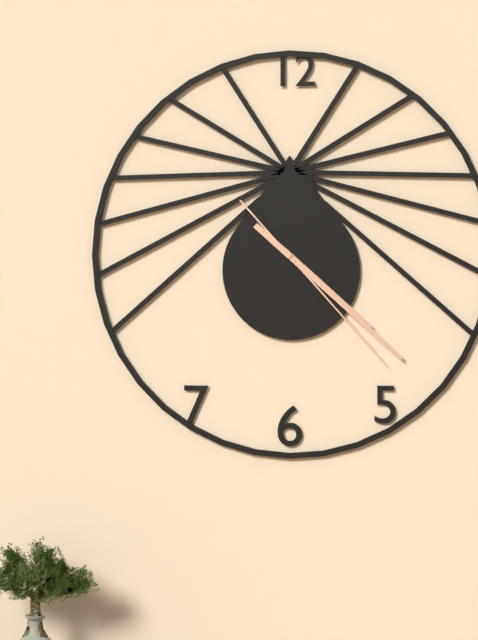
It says 4:22:23
